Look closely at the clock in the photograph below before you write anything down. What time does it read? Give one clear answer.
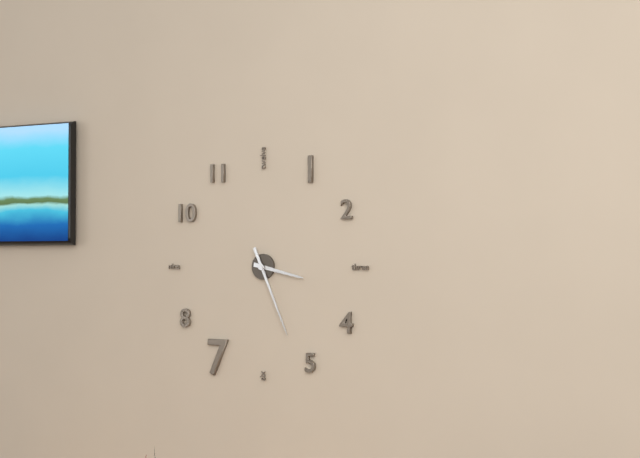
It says 3:26
